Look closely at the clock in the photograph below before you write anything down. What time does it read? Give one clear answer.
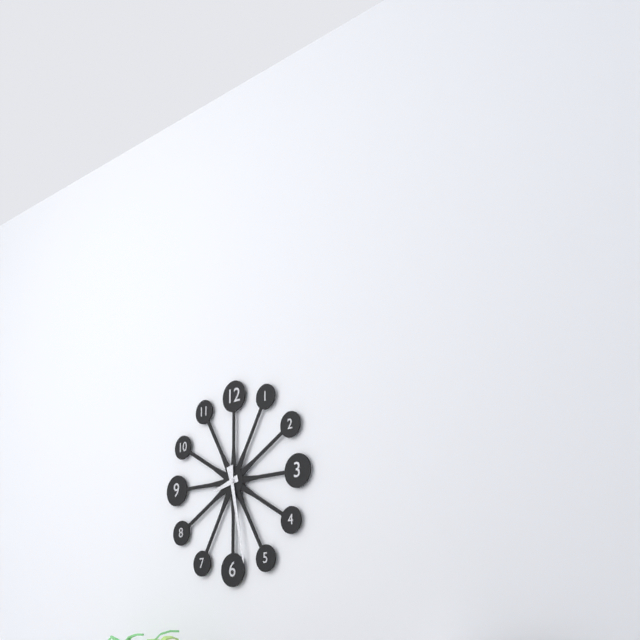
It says 8:28
